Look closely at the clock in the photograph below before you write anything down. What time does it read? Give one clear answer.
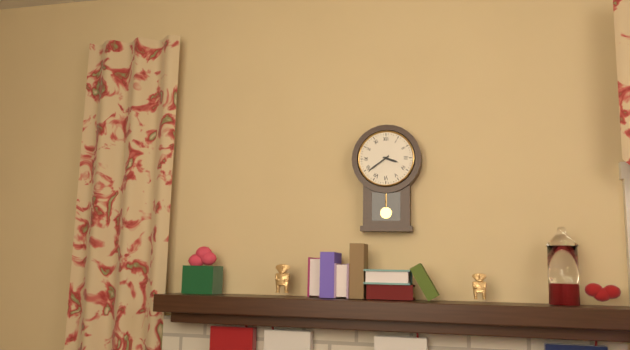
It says 3:39
